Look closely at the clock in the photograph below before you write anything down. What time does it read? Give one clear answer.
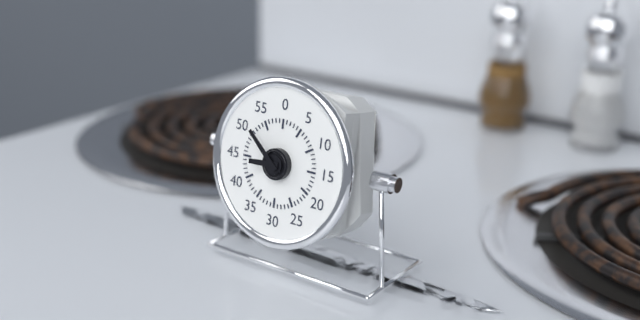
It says 8:52
